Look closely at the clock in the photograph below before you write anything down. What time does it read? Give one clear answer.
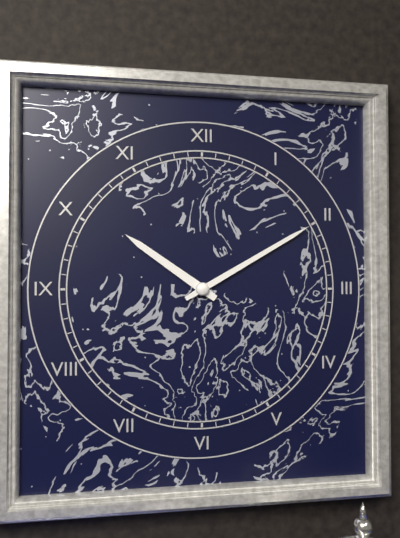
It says 10:10
